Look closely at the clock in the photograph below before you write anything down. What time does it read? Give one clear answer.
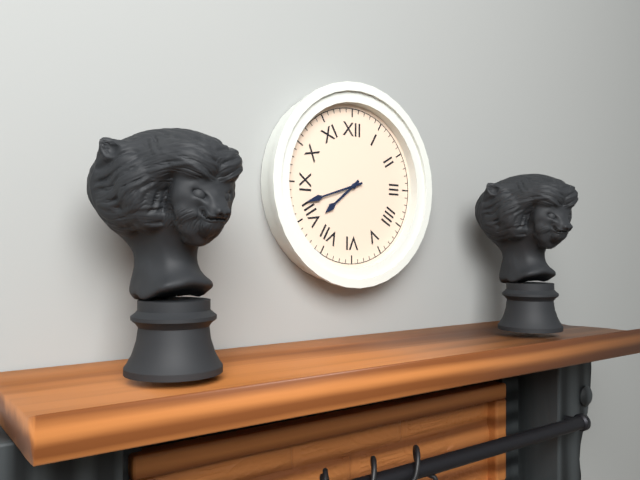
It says 7:42
